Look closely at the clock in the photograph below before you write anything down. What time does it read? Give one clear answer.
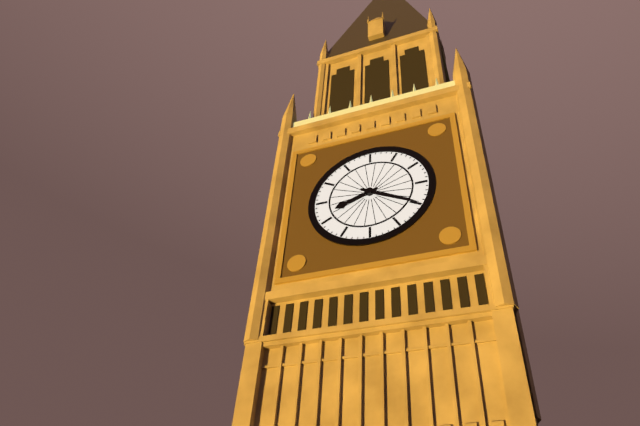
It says 8:20
